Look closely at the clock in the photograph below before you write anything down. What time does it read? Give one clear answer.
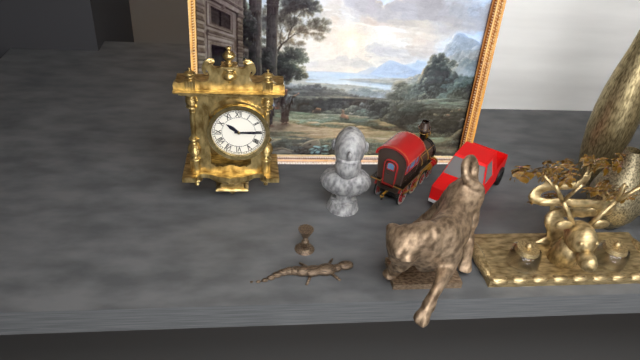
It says 10:15
